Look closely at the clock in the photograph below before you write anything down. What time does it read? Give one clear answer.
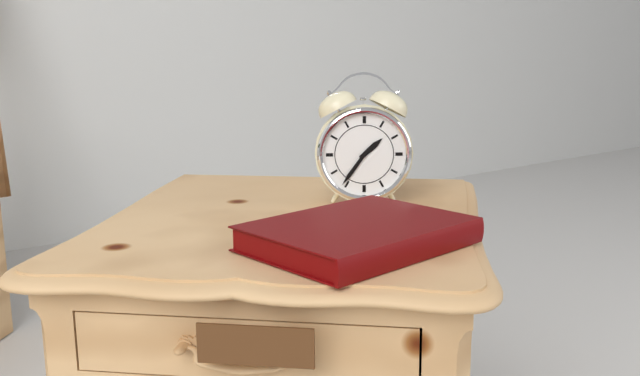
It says 1:36
